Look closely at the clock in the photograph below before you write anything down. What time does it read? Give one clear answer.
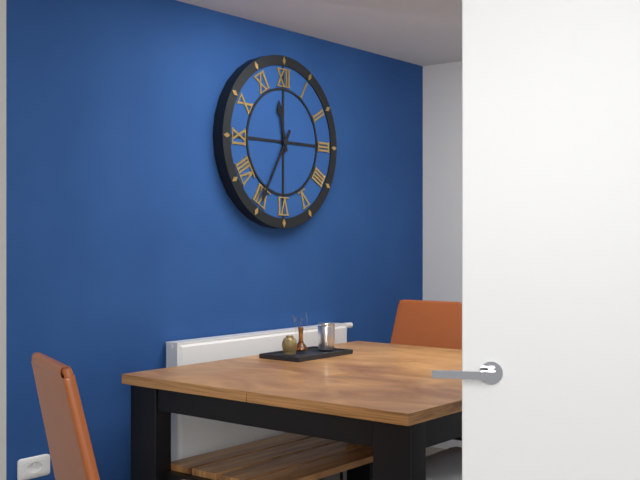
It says 11:35
